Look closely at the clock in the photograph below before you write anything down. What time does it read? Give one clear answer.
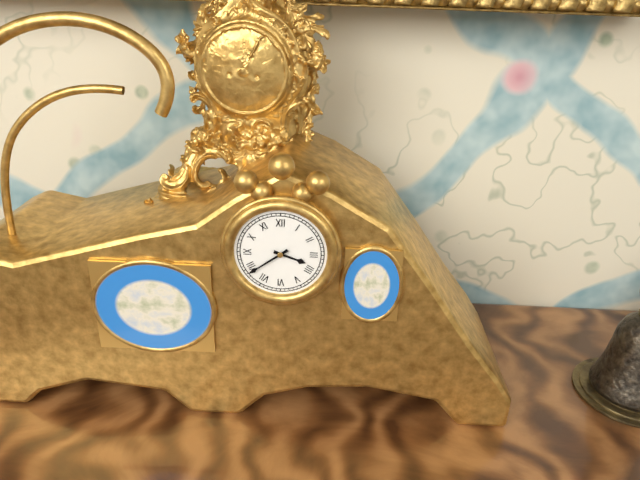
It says 3:39
